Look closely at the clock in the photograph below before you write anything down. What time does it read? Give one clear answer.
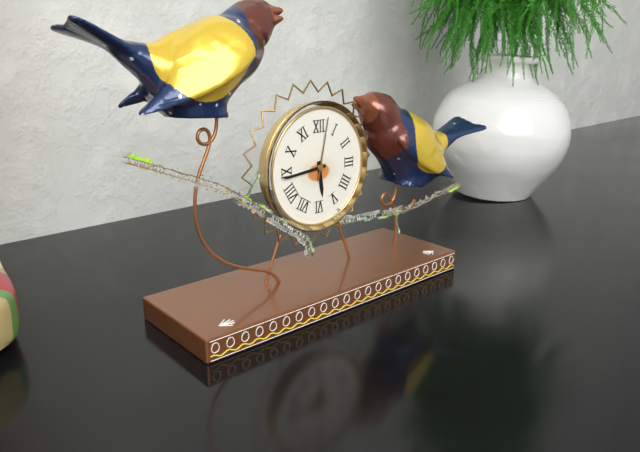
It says 5:44:02
